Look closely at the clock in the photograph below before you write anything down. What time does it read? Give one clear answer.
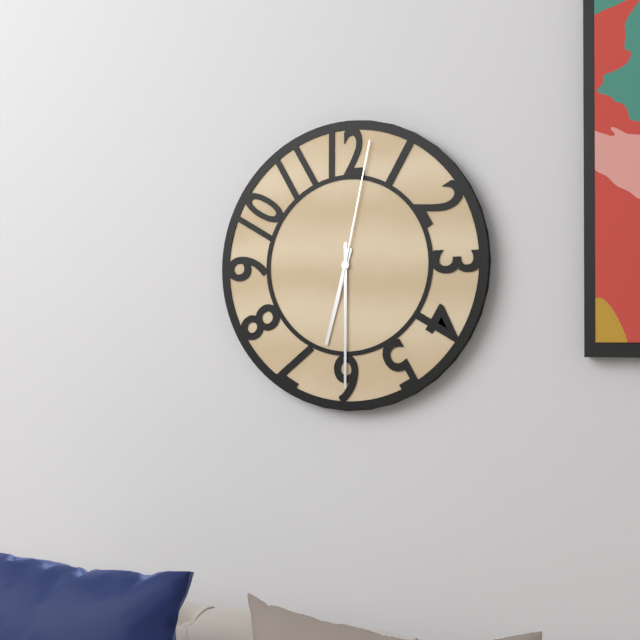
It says 6:30:02
